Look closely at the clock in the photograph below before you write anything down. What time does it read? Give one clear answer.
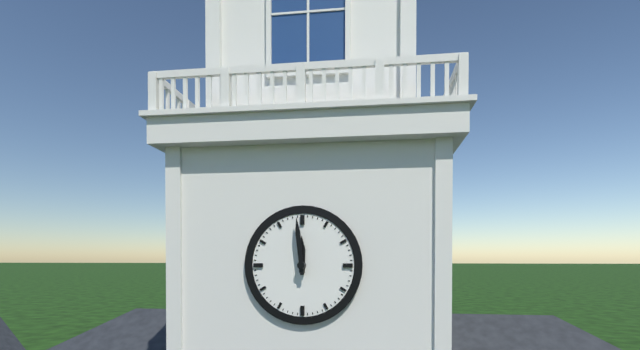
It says 11:59
